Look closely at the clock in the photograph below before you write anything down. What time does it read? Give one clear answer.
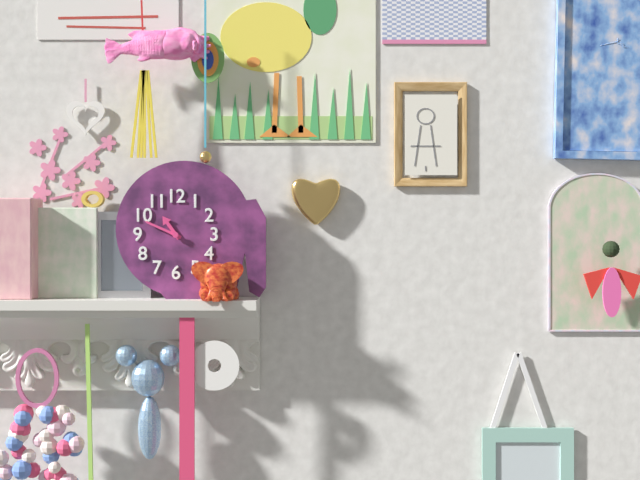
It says 10:49
